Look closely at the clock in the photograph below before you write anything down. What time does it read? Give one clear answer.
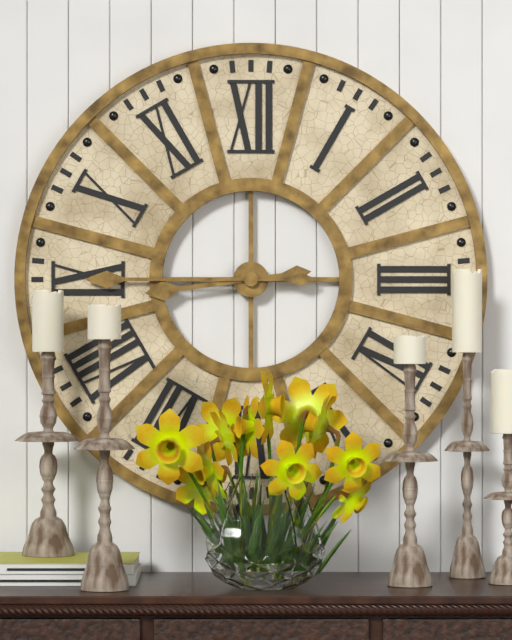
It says 8:45
